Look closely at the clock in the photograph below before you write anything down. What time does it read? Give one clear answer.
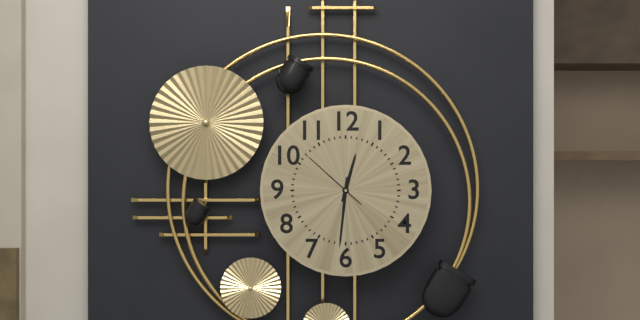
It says 12:31:52
